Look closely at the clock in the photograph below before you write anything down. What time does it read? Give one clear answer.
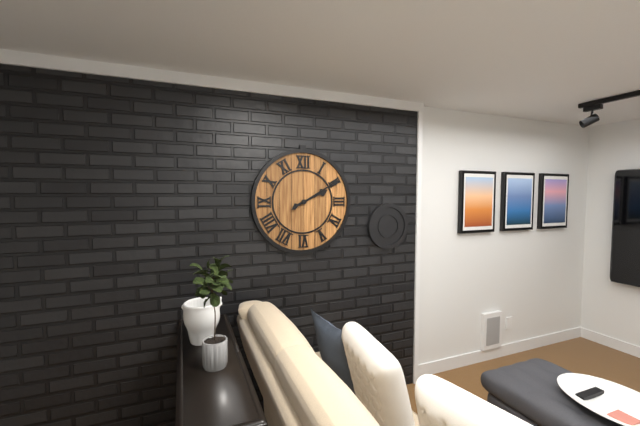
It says 2:10
